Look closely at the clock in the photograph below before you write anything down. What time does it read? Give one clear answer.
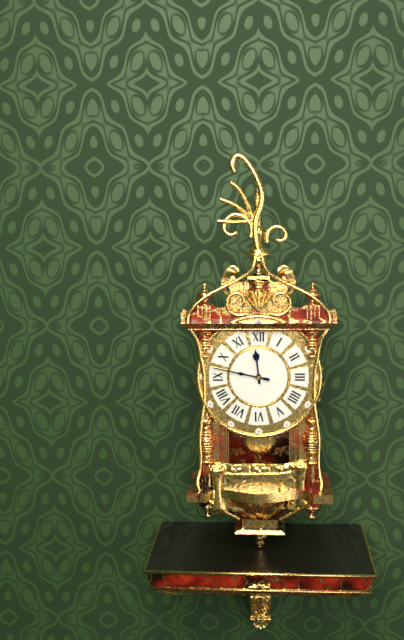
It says 11:47
